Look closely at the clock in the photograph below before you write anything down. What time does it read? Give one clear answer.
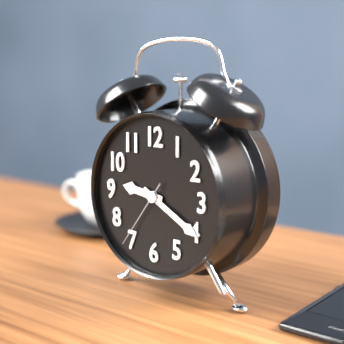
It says 9:20:36
